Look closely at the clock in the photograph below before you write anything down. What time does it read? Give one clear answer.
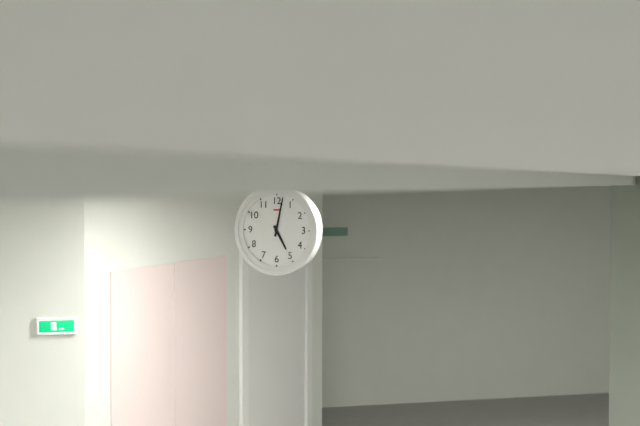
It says 5:02
